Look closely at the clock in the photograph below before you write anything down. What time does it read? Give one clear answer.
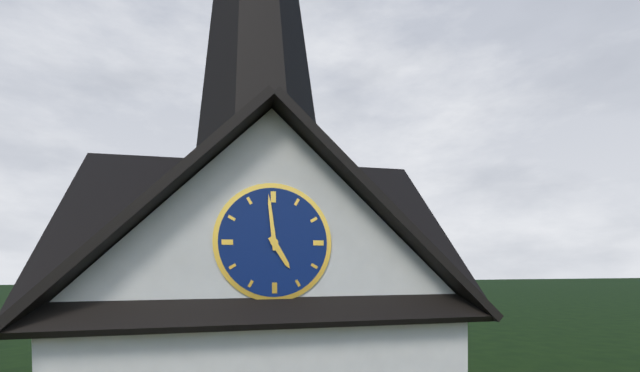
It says 4:59
